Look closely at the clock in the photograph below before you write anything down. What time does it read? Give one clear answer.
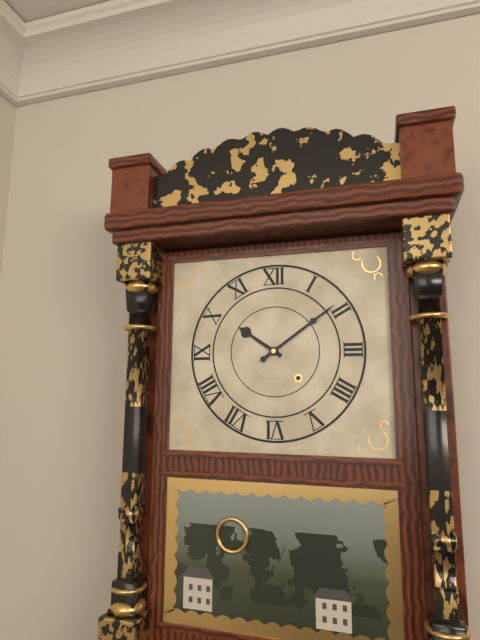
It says 10:09
